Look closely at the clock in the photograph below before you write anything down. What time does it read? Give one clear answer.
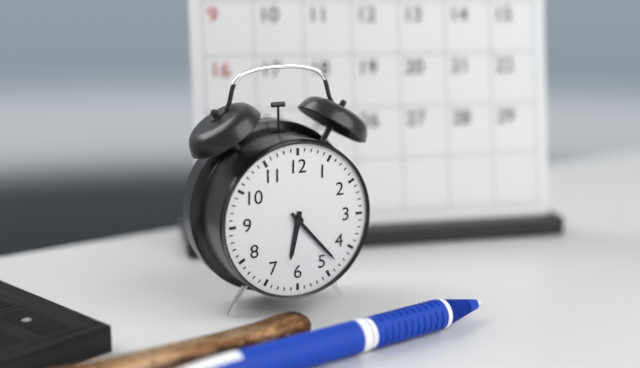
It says 6:23
